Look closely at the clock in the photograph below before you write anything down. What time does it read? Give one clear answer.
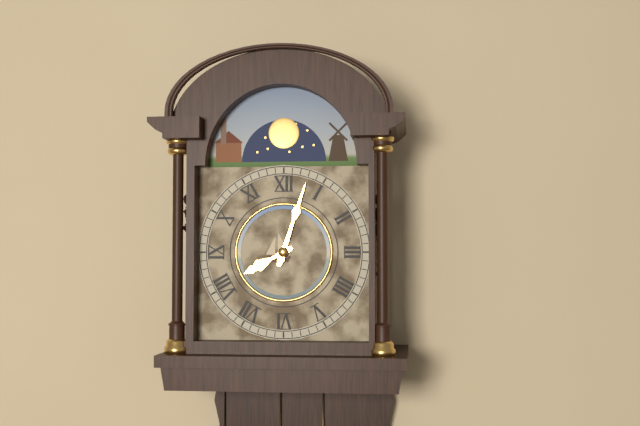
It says 8:03
